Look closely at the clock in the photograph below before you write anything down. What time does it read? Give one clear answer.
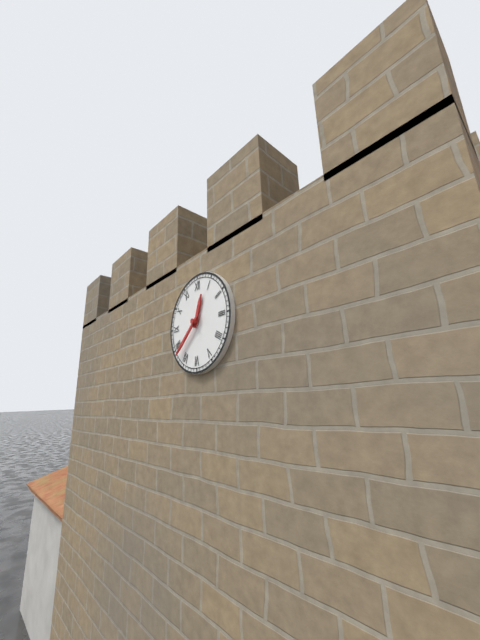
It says 12:38
